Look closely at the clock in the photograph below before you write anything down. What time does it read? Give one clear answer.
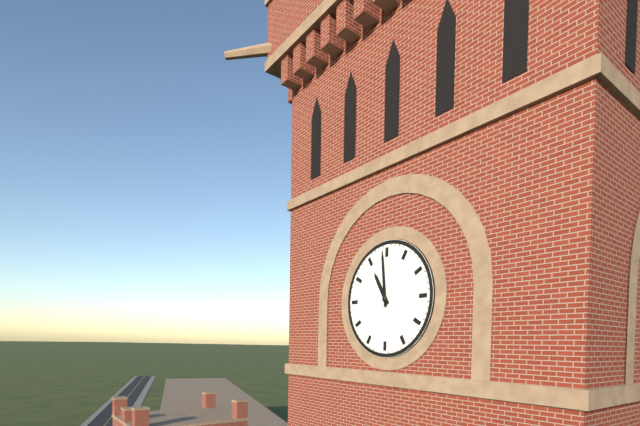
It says 10:59
